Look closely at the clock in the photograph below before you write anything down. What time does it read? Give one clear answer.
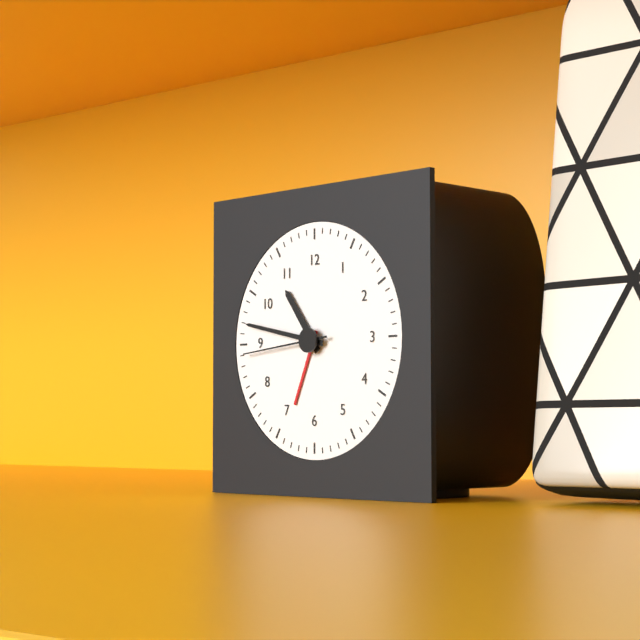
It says 10:47:44
